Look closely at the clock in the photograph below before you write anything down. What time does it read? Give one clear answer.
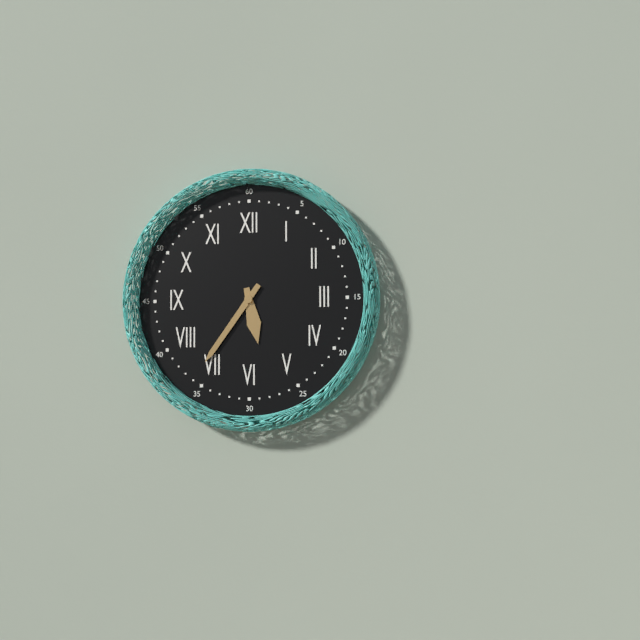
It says 5:36
